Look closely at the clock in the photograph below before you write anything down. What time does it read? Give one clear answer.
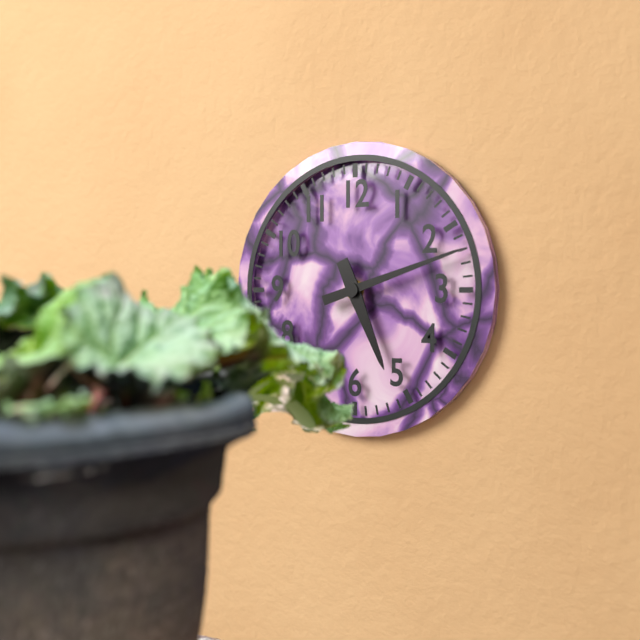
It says 5:12
